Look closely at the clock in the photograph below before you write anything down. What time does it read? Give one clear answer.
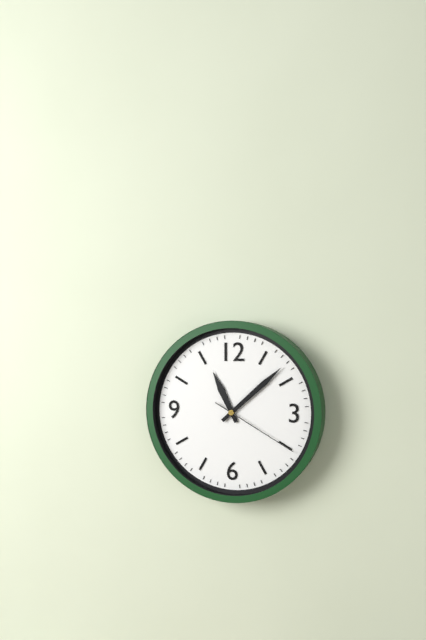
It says 11:08:20
